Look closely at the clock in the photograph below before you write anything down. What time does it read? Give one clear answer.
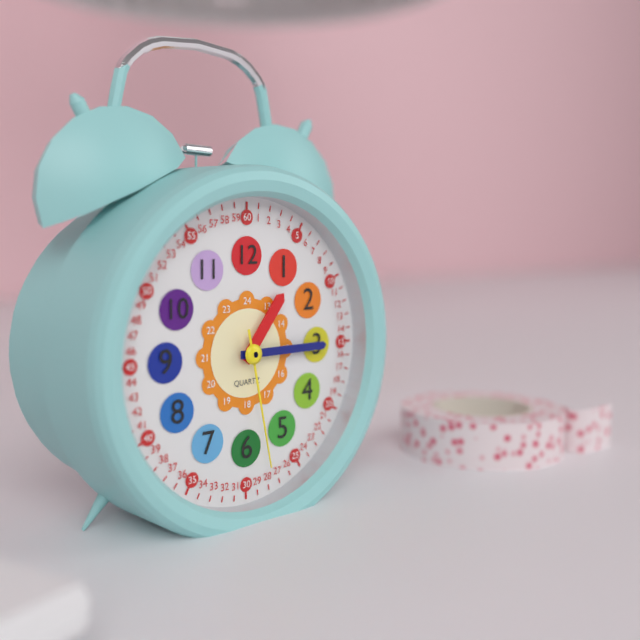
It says 1:15:28
